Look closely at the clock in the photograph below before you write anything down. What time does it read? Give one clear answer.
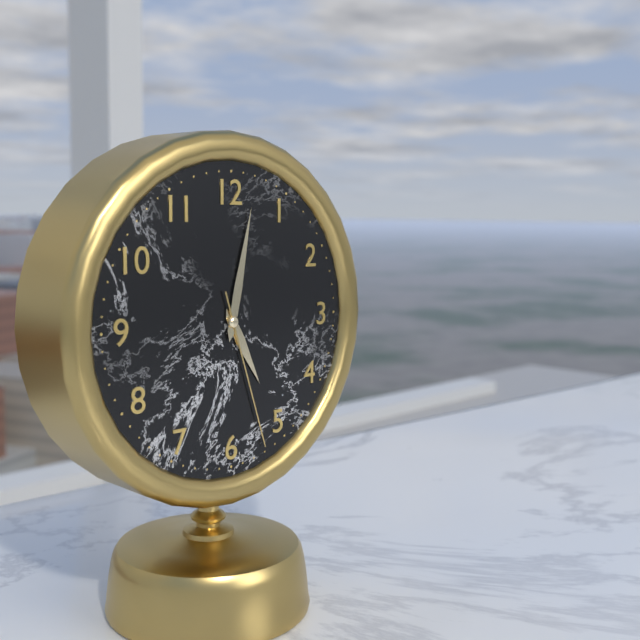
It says 5:02:27
